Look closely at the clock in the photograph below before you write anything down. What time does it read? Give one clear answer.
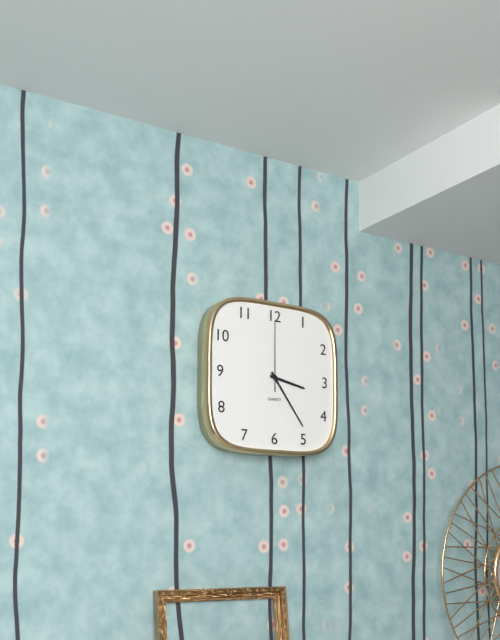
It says 3:24:00
